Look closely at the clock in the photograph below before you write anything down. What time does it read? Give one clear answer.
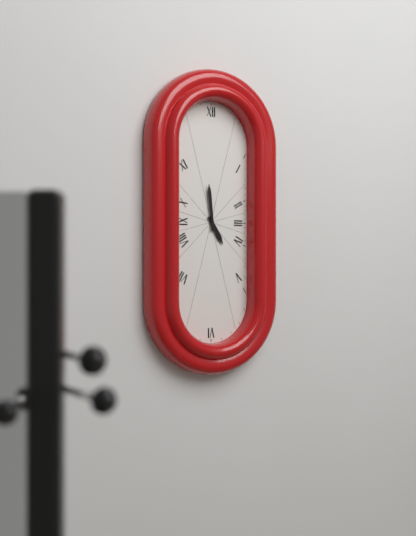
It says 4:59
